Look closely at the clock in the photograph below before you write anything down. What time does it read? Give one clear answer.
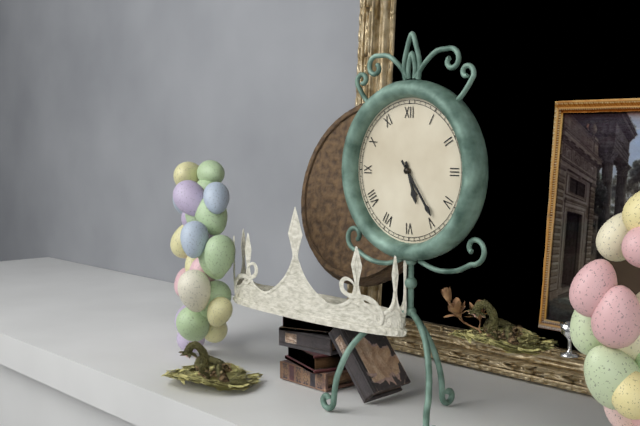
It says 5:24
